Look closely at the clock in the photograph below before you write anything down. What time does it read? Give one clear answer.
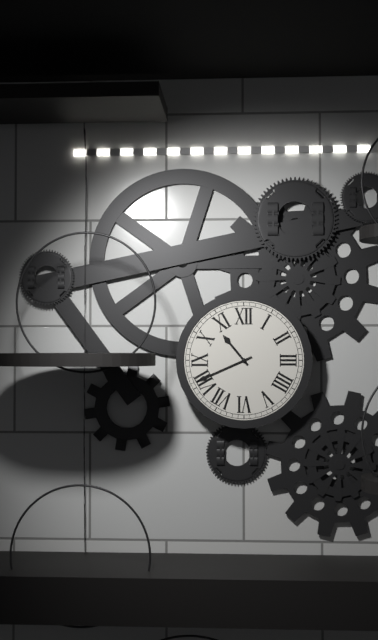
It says 10:41
